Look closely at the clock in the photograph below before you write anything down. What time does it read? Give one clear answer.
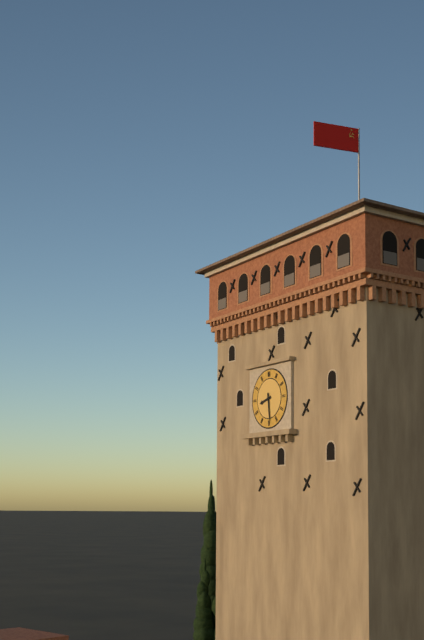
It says 8:29
